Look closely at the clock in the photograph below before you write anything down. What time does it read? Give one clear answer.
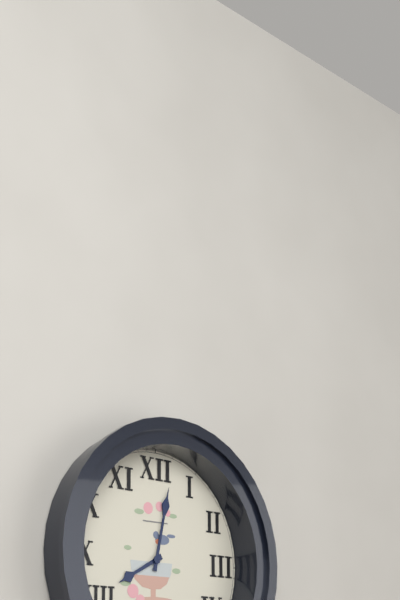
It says 8:02
